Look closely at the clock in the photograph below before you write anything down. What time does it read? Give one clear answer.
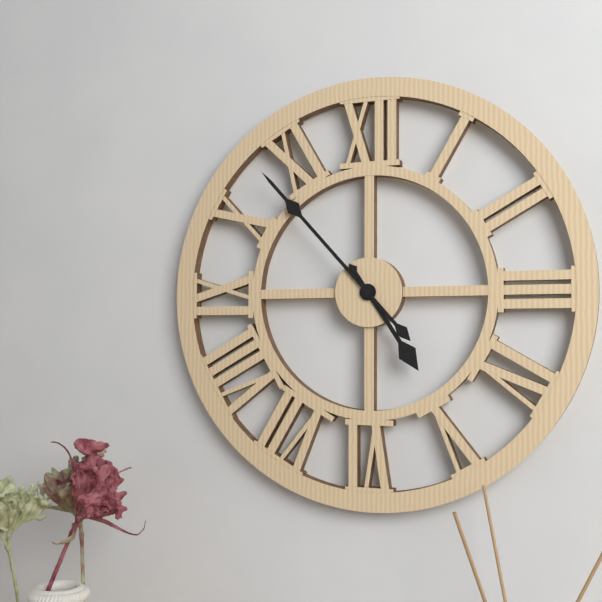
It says 4:53
